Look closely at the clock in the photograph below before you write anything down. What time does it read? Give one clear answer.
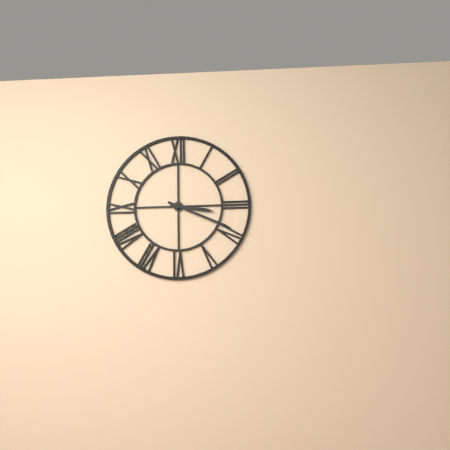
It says 3:19
